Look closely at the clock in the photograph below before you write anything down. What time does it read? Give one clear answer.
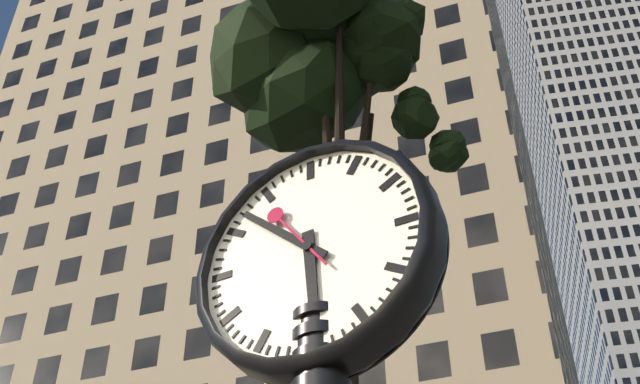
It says 5:52:54
